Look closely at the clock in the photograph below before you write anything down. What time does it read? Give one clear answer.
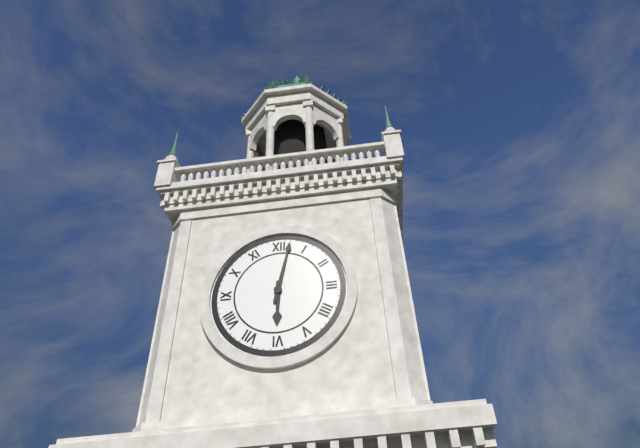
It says 6:02
